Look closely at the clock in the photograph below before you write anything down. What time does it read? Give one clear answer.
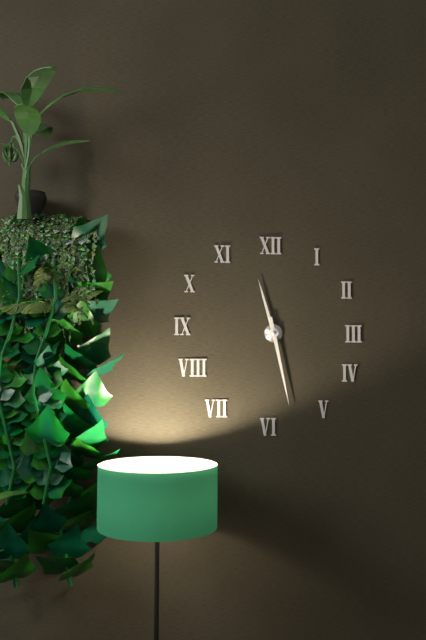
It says 11:28
